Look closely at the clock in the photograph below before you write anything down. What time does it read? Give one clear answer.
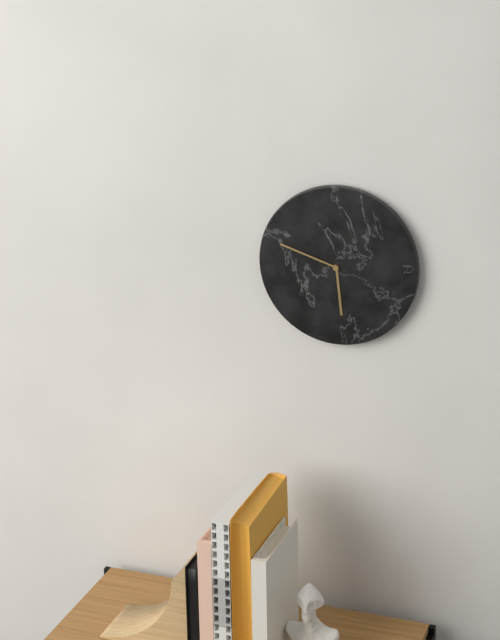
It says 5:48
